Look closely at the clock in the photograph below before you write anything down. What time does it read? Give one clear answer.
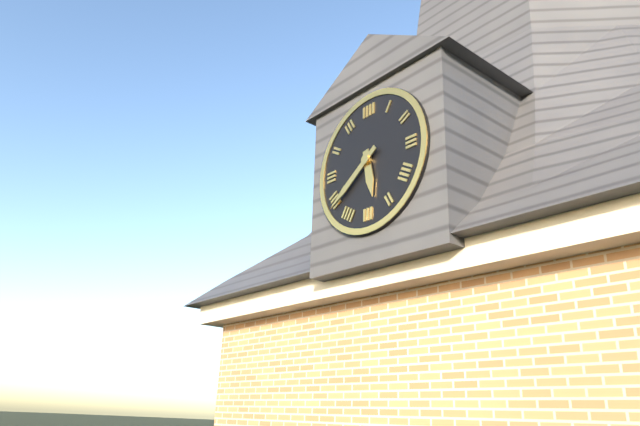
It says 5:39
